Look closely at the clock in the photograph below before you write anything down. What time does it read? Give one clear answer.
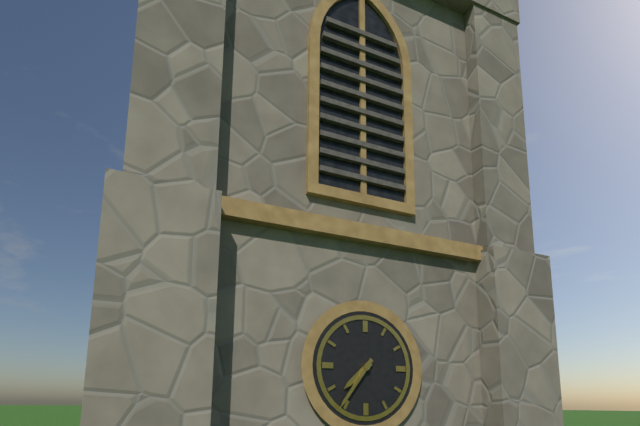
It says 7:36
